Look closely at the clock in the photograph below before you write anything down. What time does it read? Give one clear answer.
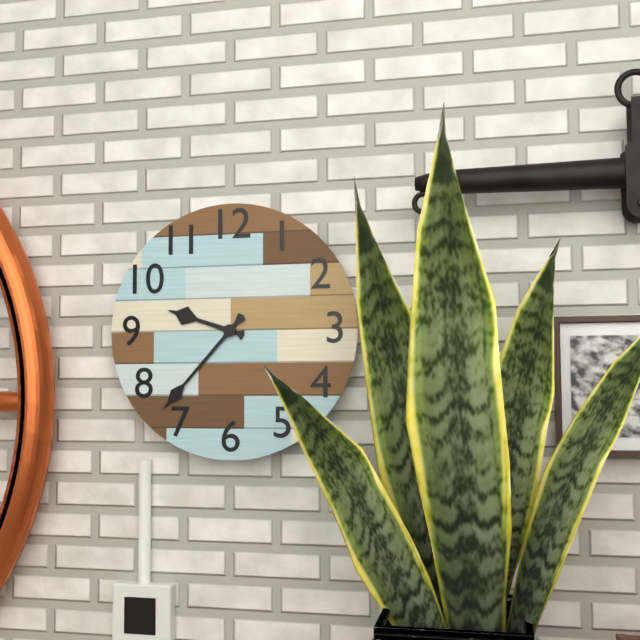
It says 9:37
